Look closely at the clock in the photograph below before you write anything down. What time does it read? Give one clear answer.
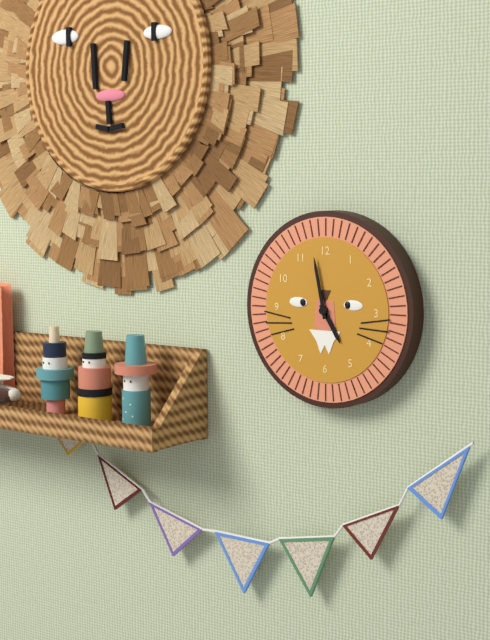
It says 4:58
